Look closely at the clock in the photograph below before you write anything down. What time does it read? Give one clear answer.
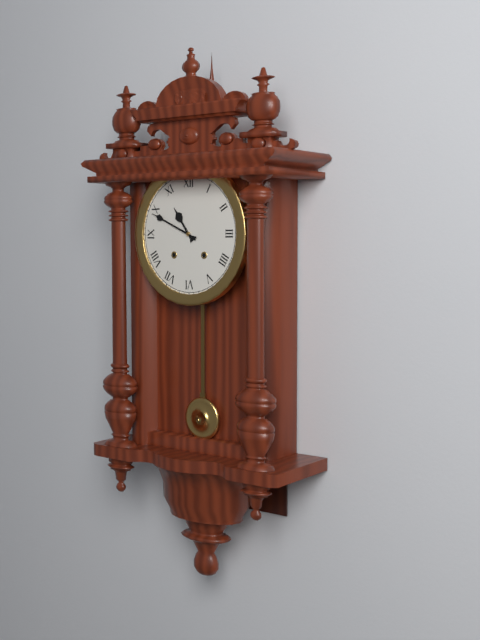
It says 10:49
